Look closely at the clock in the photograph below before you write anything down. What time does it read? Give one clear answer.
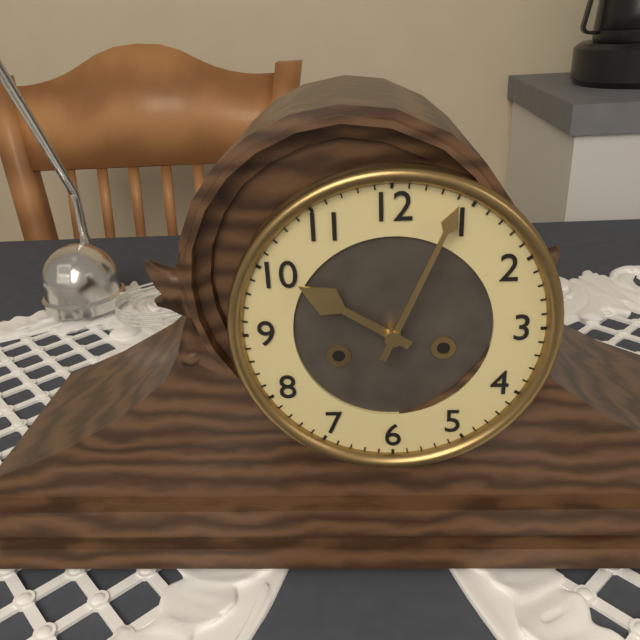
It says 10:04
